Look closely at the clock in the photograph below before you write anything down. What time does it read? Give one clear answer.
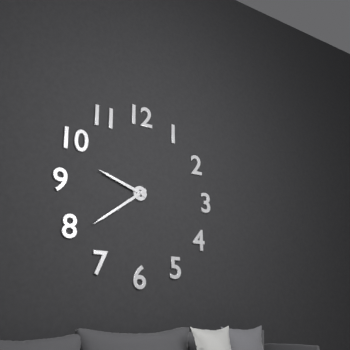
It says 9:39
